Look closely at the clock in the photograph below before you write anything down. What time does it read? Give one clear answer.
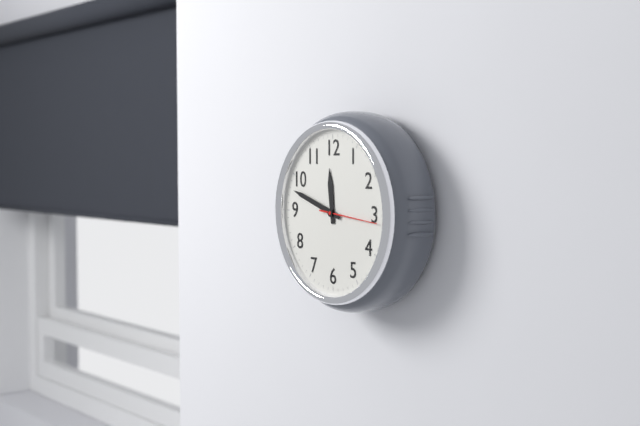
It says 11:48
